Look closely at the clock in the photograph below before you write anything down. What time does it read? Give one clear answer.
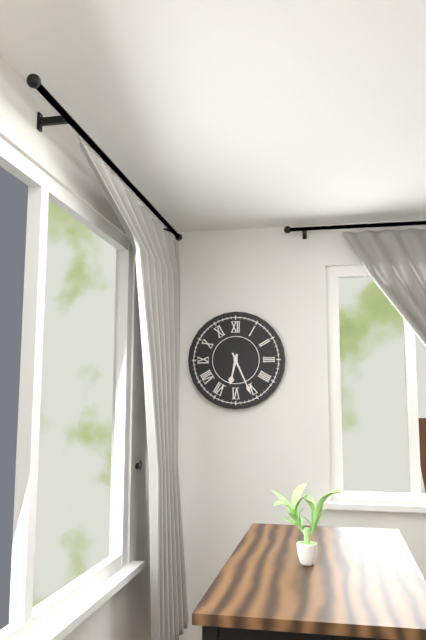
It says 6:26
